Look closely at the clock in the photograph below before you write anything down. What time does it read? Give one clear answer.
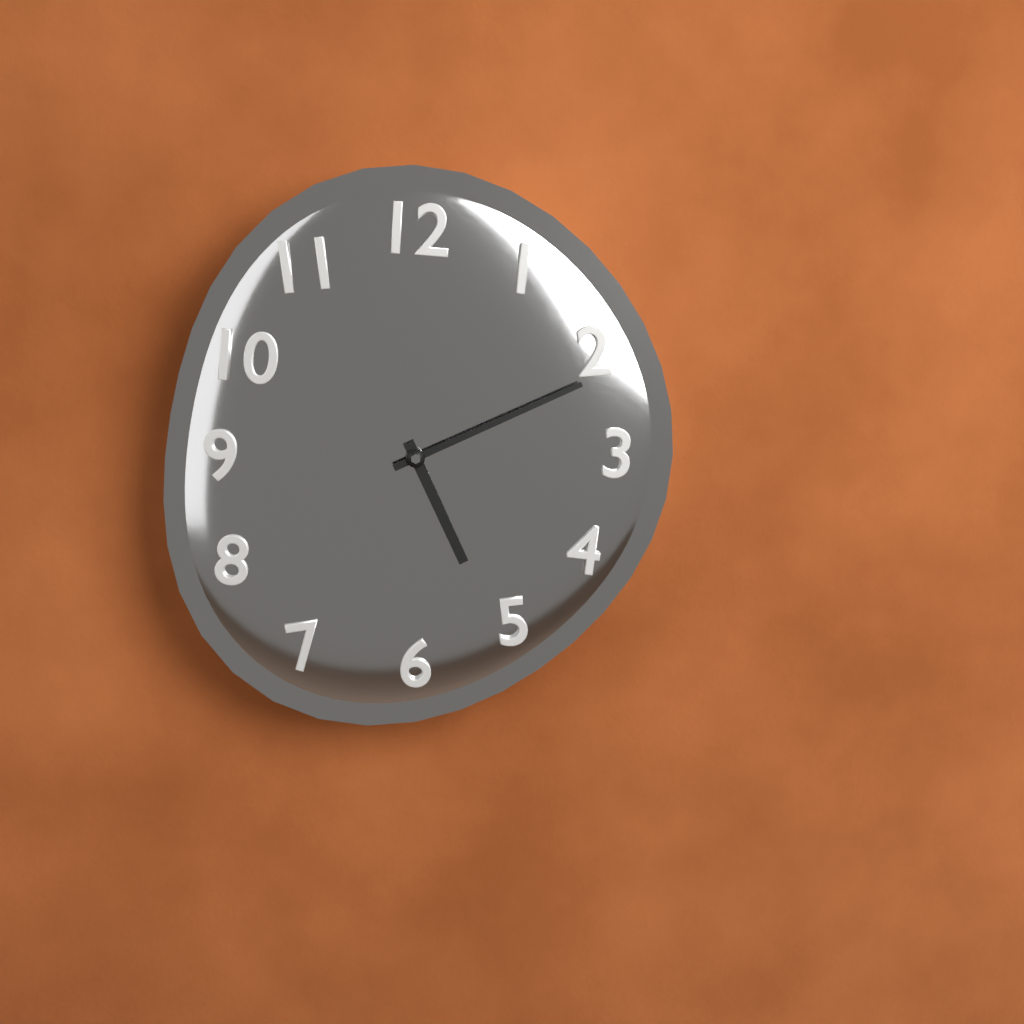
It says 5:11
